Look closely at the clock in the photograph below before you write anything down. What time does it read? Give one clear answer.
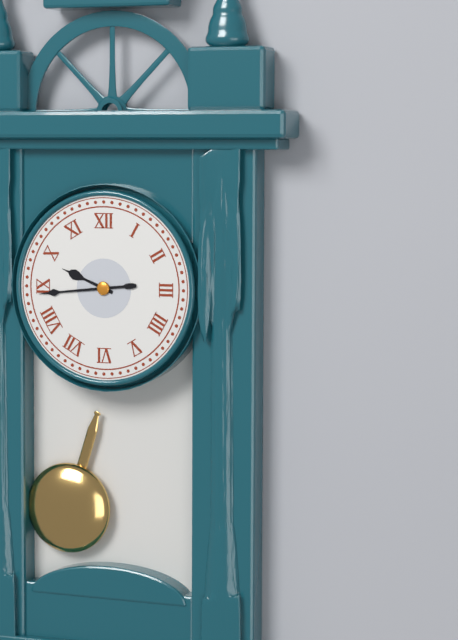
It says 9:44
